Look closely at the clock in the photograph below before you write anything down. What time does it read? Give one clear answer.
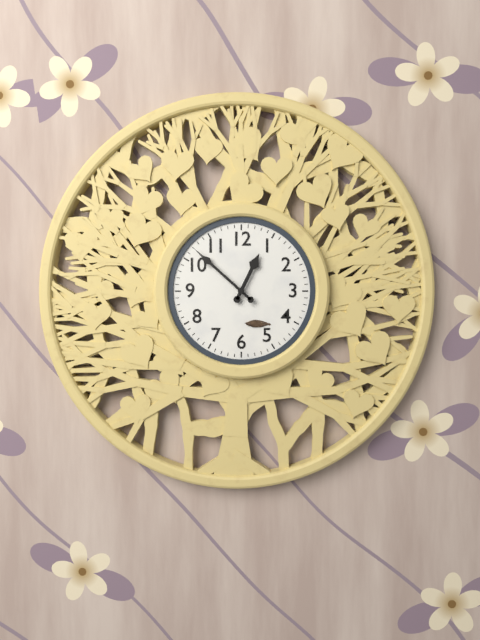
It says 12:52
